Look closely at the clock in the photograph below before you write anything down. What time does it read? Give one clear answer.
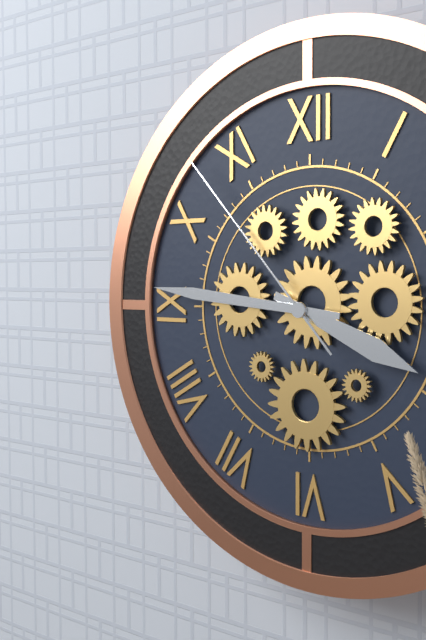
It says 3:46:53
